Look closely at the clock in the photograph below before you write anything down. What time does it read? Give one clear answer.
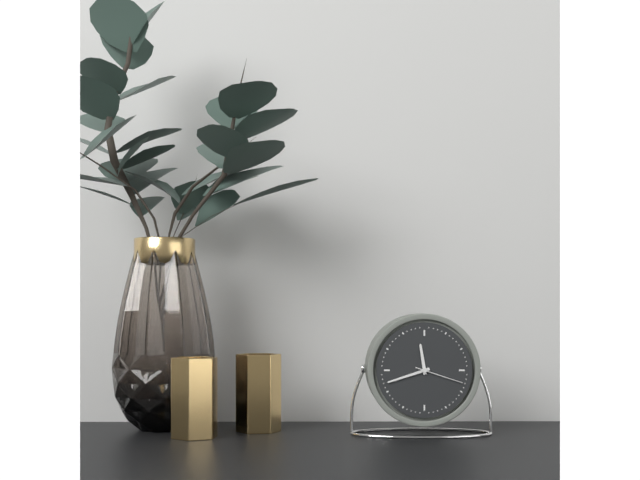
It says 11:42:18
